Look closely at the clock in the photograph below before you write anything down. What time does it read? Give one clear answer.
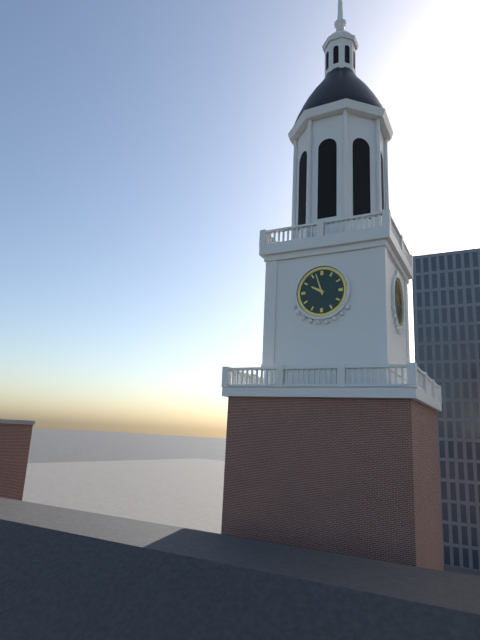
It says 9:57
